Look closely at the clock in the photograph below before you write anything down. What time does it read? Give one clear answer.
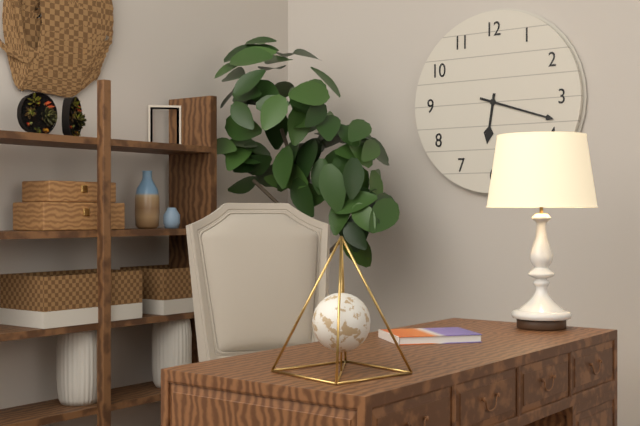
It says 6:18
